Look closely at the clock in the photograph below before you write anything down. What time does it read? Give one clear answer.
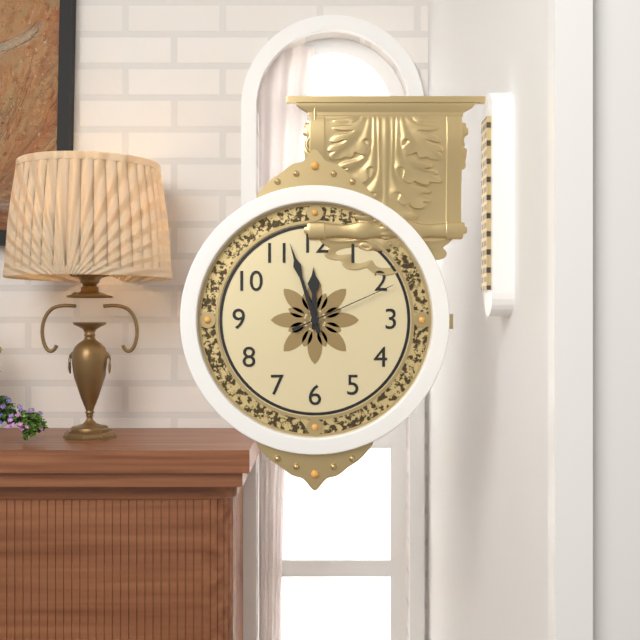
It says 11:57:11
